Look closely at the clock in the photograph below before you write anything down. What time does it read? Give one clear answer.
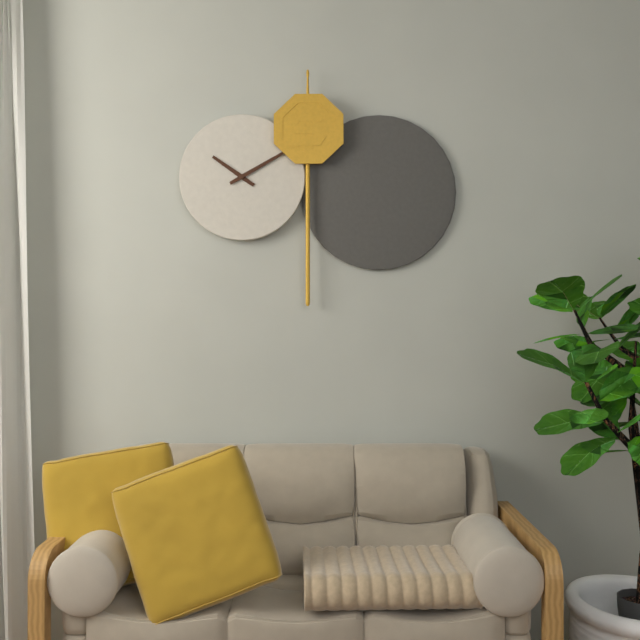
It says 10:10
